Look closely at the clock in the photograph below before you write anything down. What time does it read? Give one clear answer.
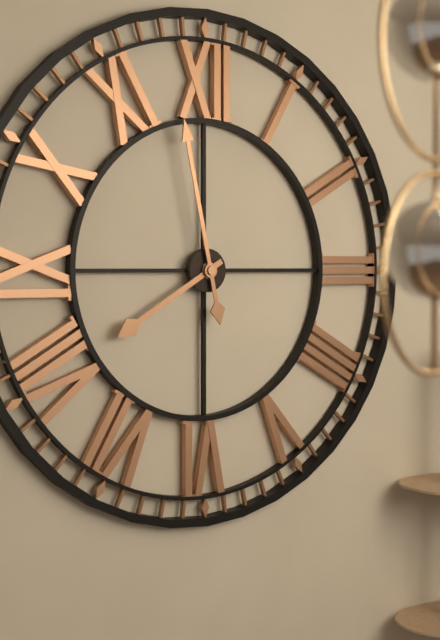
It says 7:58
